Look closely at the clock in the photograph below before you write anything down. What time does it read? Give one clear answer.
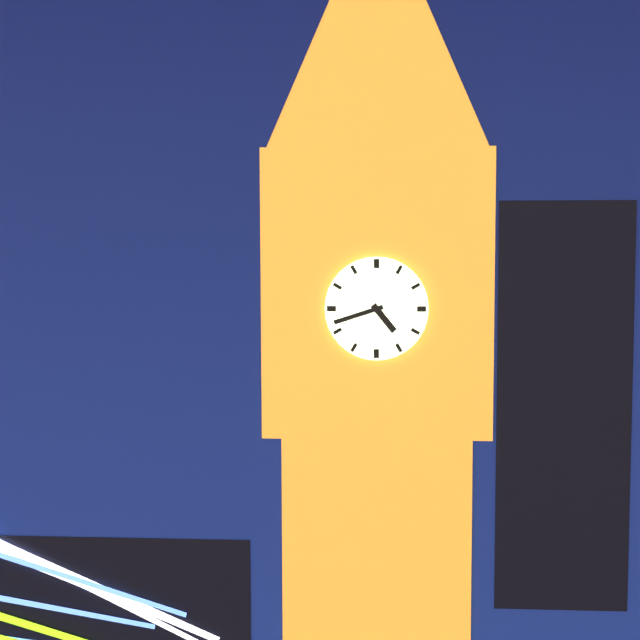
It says 4:42
